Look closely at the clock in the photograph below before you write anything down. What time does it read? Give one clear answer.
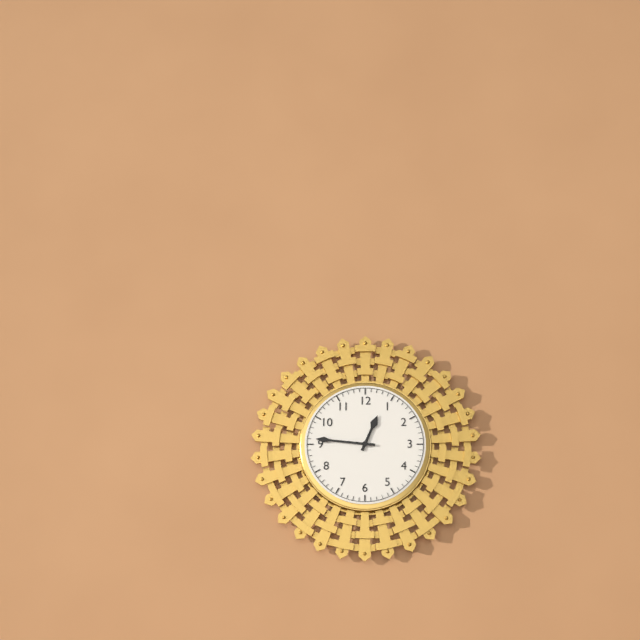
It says 12:46
